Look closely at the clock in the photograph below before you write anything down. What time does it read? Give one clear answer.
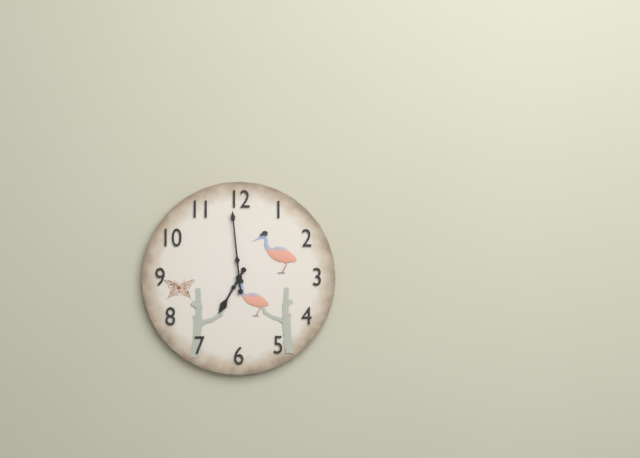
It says 6:59
